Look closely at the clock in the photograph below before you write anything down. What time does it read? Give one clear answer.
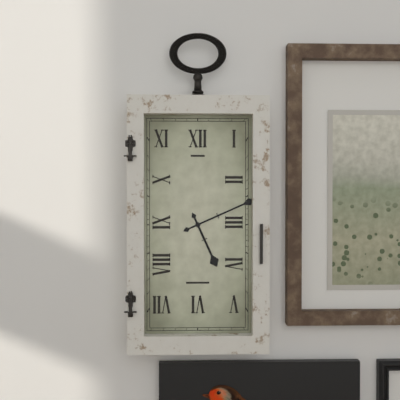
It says 5:11
